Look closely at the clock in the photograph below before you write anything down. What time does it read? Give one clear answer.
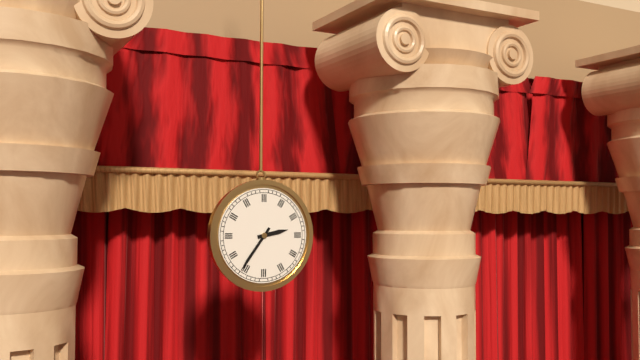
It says 2:36
